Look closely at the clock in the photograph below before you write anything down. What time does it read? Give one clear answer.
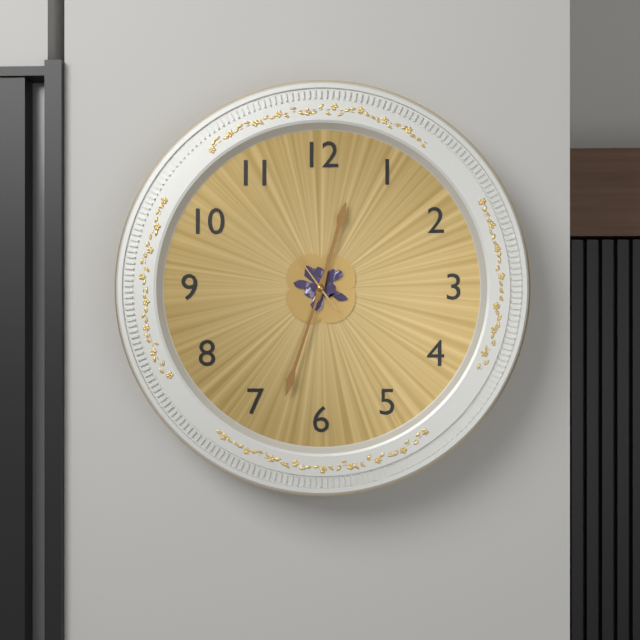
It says 12:33:54
